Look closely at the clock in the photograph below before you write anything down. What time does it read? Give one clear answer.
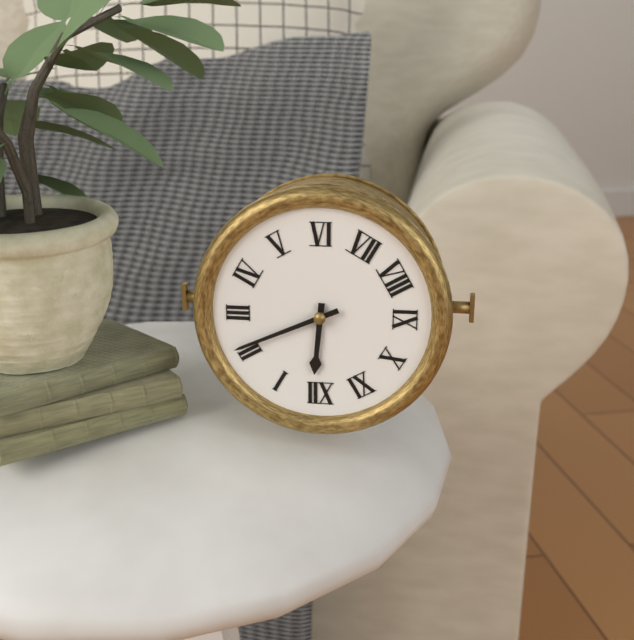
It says 12:11
